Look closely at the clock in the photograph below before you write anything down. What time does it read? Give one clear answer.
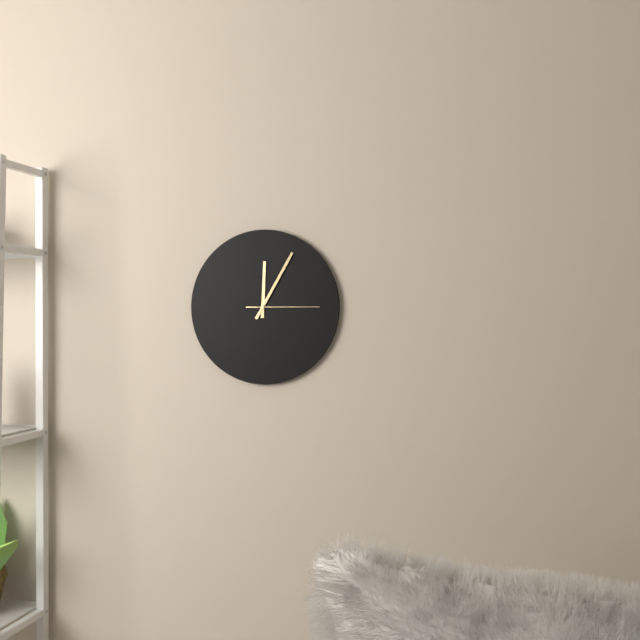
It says 12:05:15
